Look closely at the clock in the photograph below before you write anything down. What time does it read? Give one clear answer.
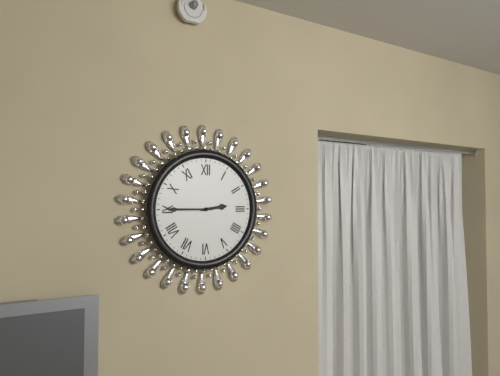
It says 2:45
